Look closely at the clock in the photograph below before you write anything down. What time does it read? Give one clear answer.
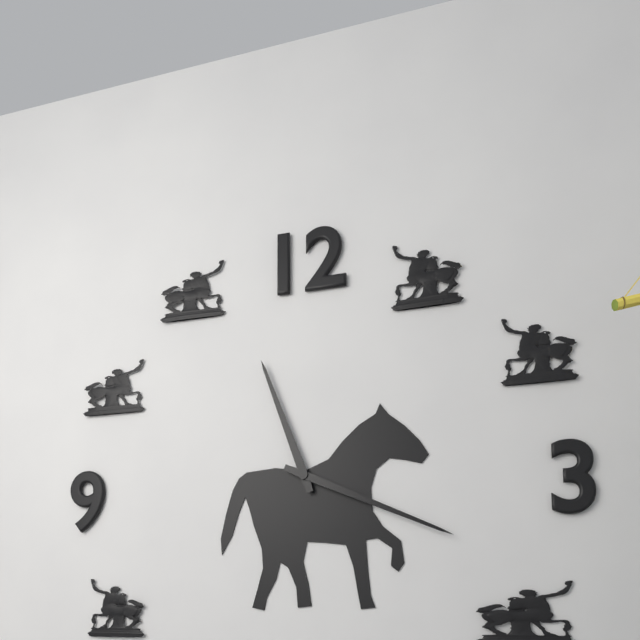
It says 11:19
